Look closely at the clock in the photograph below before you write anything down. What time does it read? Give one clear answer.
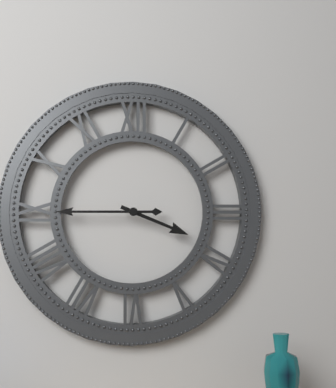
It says 3:45
